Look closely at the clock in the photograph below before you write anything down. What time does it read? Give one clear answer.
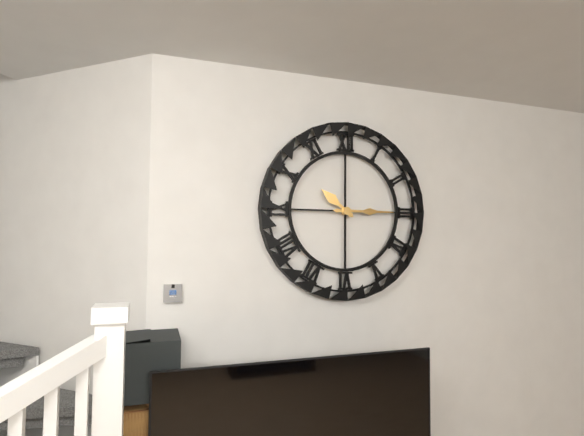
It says 10:15
